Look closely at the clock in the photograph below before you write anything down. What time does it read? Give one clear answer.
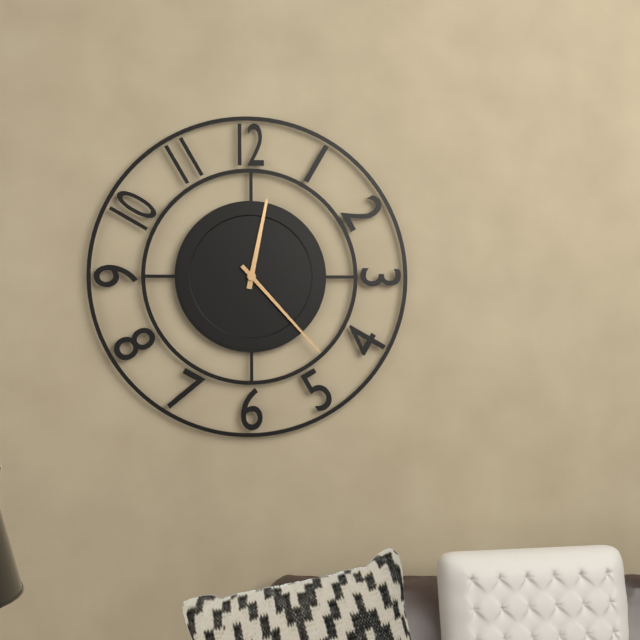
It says 12:23
